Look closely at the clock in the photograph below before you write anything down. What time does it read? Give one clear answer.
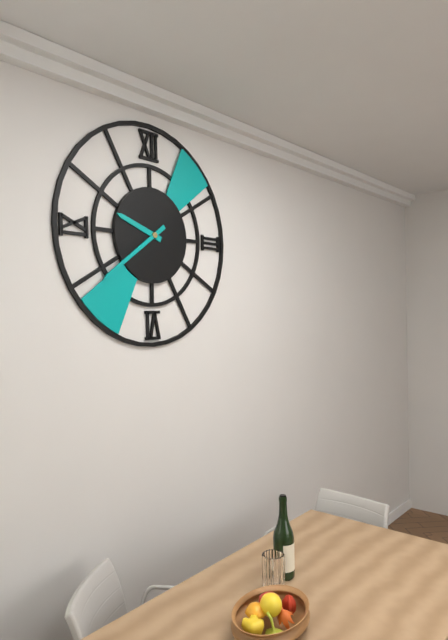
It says 9:39
